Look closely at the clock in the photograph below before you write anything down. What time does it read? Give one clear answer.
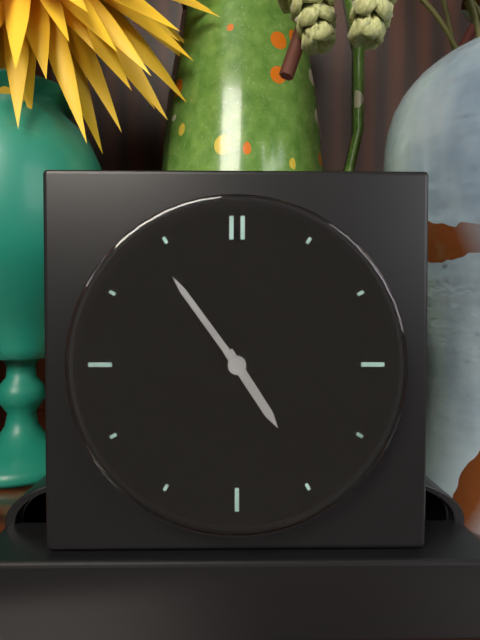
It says 4:54
